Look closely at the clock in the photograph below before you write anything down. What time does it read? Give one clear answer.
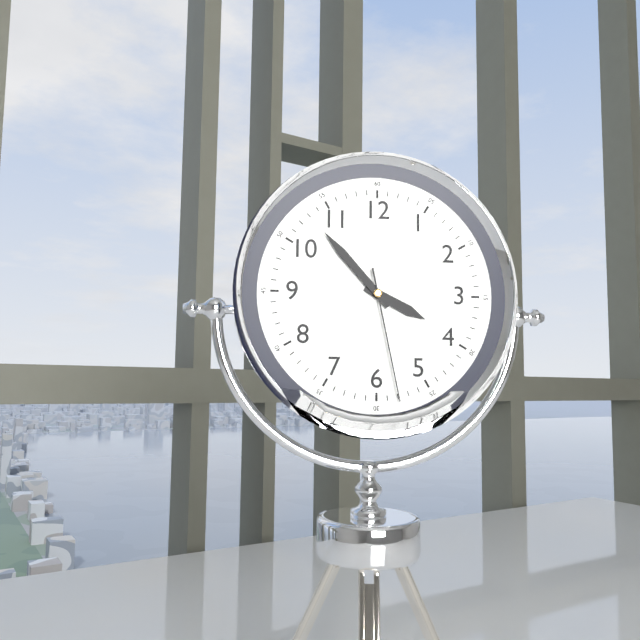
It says 3:53:28
